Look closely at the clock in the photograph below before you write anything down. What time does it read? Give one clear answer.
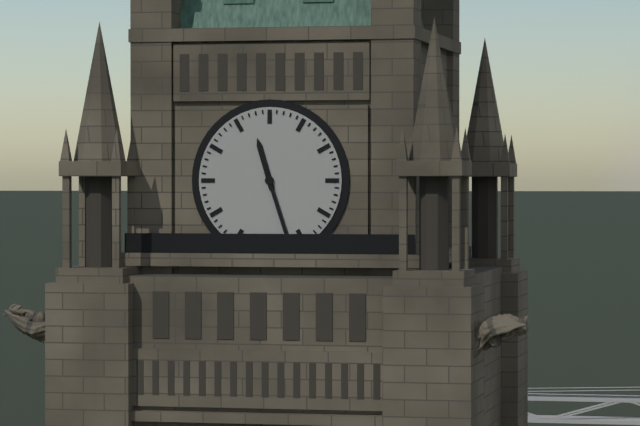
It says 11:27
